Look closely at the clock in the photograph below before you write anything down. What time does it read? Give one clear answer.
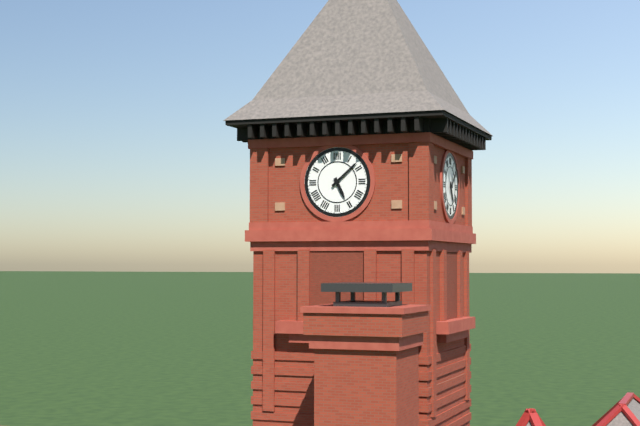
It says 5:08
